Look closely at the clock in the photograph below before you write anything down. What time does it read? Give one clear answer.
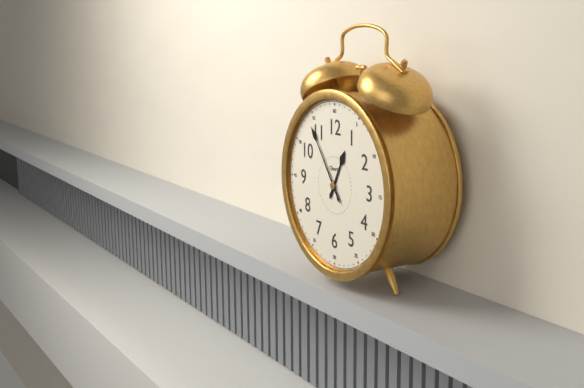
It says 12:54
